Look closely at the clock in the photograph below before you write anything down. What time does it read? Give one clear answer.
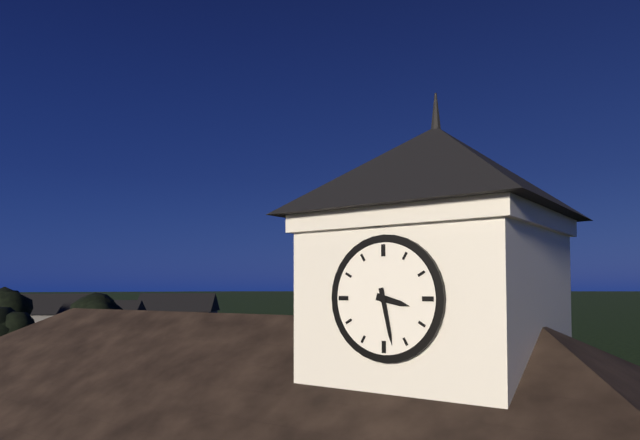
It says 3:28
